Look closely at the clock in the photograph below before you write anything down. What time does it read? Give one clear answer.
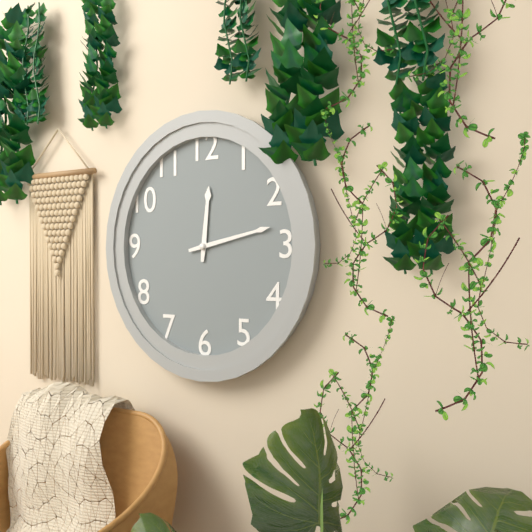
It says 12:13
